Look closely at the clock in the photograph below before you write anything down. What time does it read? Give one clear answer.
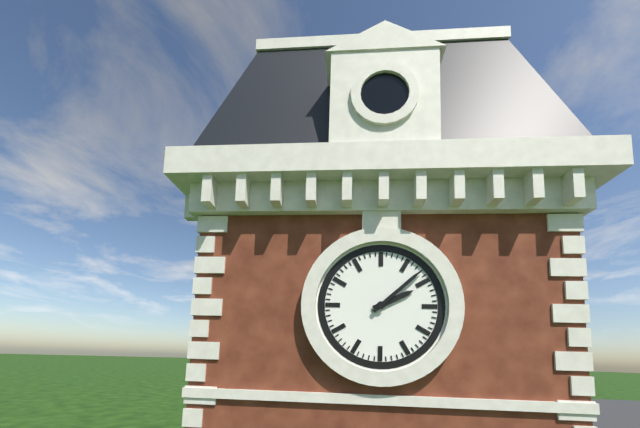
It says 2:08
